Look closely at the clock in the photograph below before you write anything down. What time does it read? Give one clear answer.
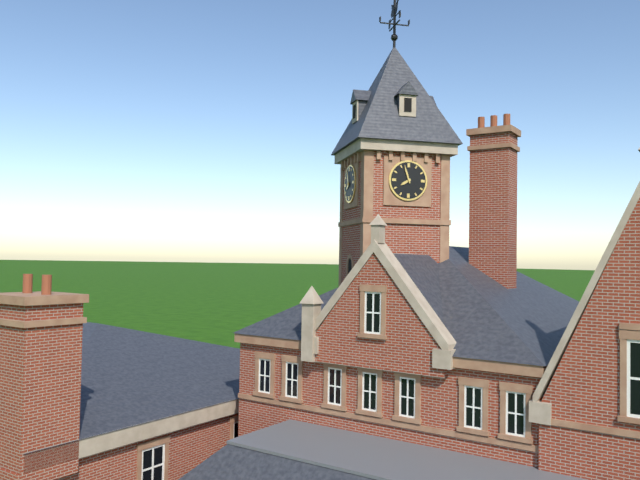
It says 7:57
